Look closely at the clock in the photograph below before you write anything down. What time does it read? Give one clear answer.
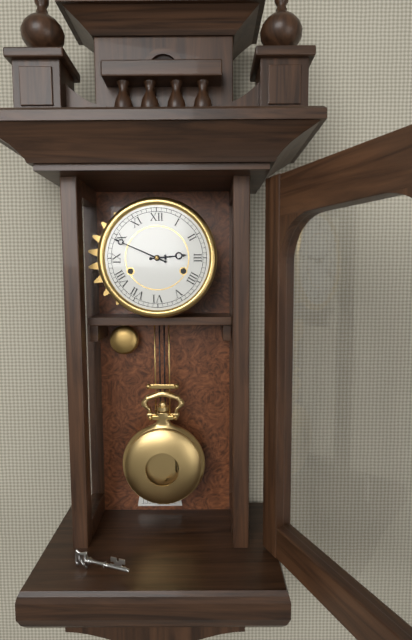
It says 2:49
